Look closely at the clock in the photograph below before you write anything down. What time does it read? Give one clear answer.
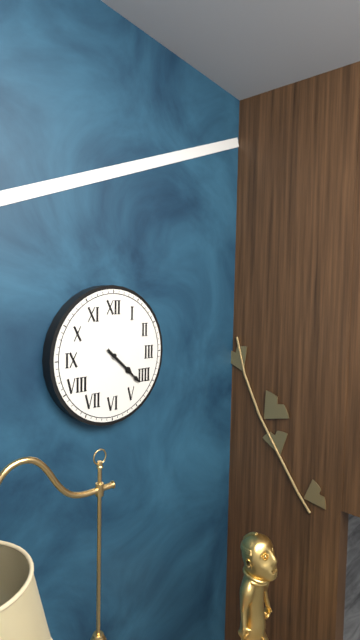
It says 4:22
